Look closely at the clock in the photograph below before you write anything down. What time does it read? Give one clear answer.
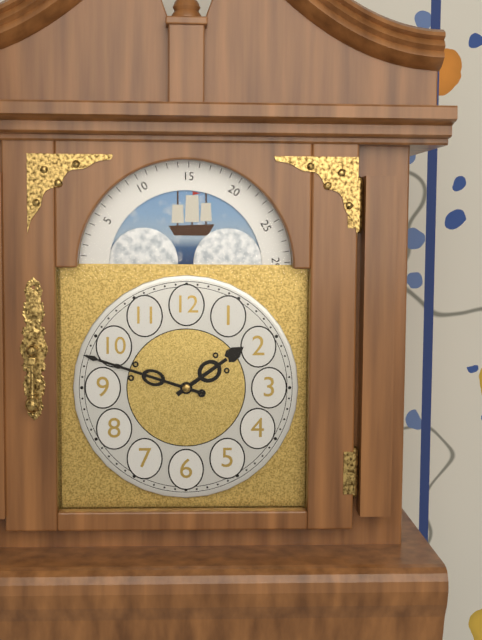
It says 1:48
